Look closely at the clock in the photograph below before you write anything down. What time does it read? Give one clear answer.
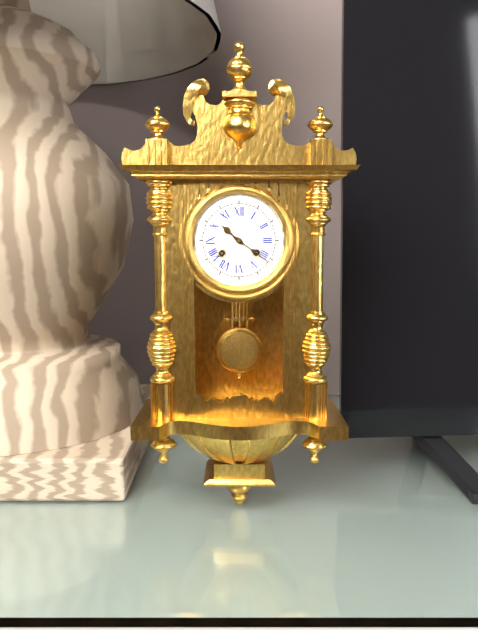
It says 10:21
